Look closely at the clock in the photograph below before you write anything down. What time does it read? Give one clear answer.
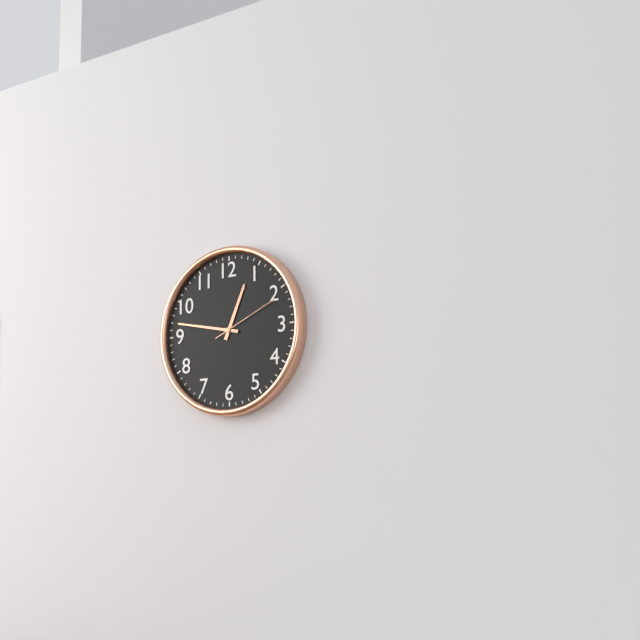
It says 12:47:11
